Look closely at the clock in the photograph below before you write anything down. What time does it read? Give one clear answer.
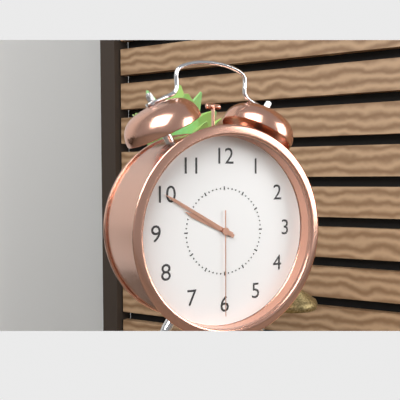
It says 9:50:30
